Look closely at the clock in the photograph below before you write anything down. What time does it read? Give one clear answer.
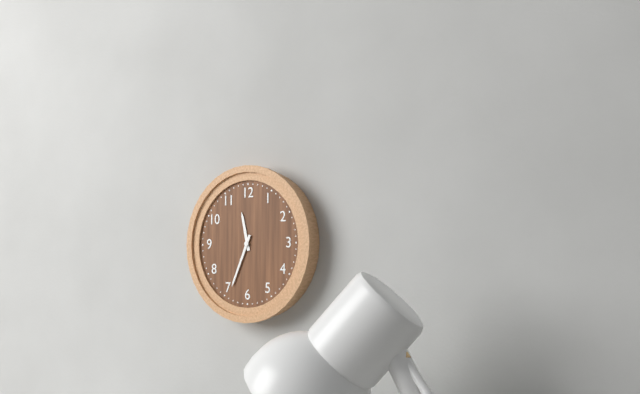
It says 11:34
